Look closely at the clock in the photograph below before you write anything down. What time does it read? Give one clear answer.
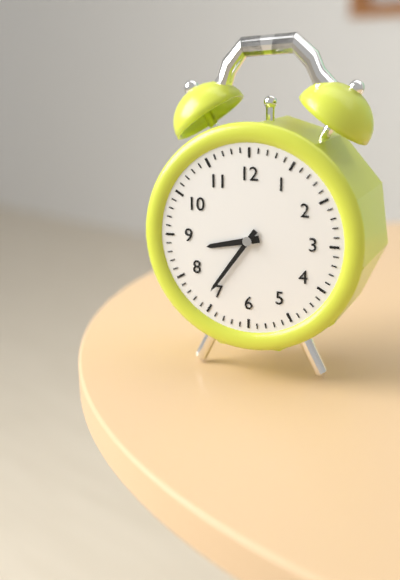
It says 8:36
